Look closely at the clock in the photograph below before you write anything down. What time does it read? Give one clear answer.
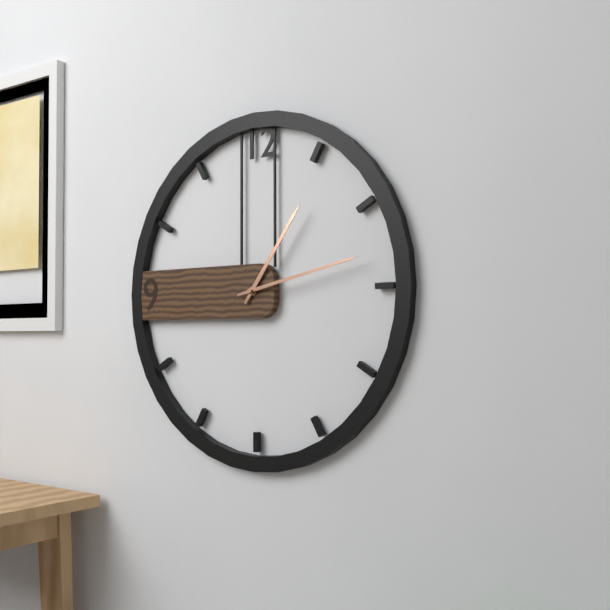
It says 1:13
